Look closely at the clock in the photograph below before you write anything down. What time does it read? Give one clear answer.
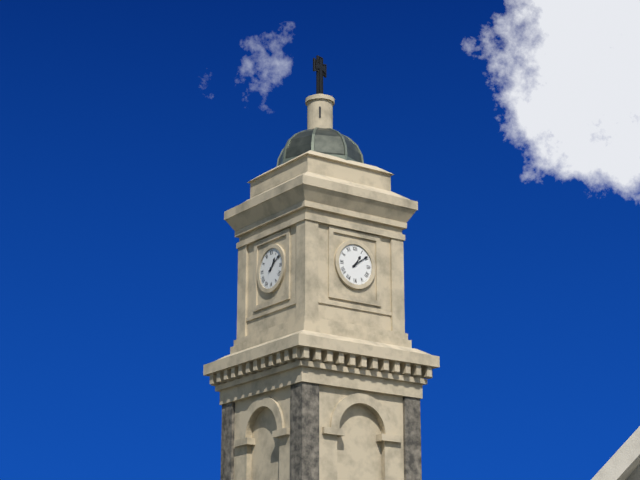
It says 1:09
